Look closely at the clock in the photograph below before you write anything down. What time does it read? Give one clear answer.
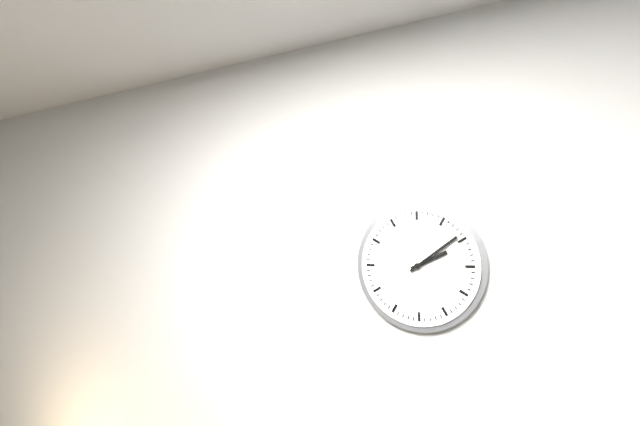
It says 2:09
